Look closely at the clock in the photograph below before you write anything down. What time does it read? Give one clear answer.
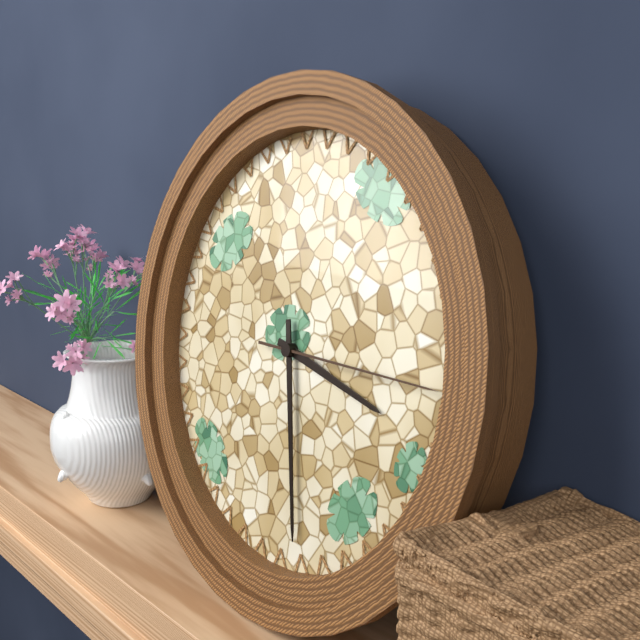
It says 3:28:15
